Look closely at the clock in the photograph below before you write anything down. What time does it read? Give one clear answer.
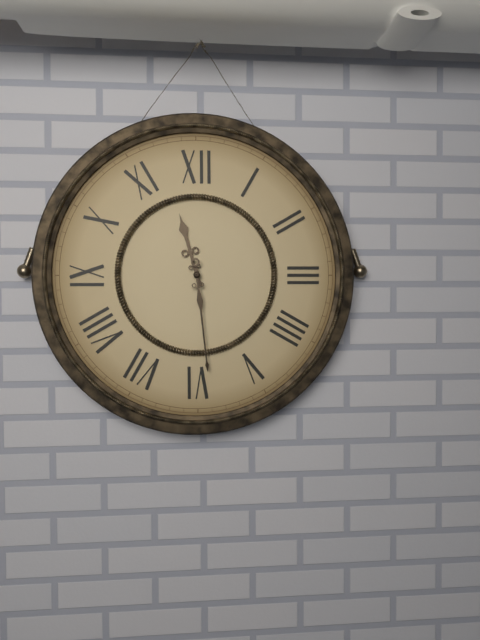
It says 11:29
